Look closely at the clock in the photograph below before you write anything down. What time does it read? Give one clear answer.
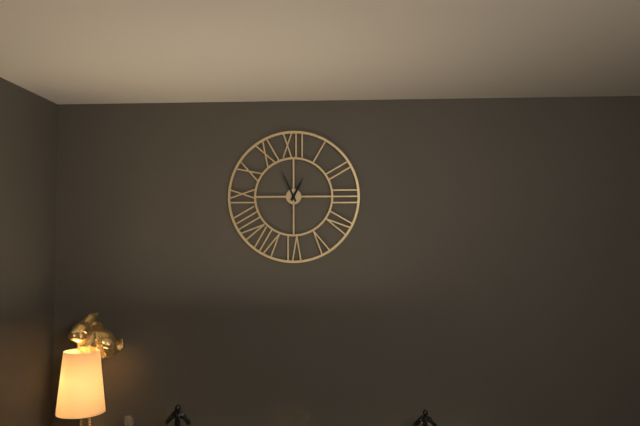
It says 12:56
